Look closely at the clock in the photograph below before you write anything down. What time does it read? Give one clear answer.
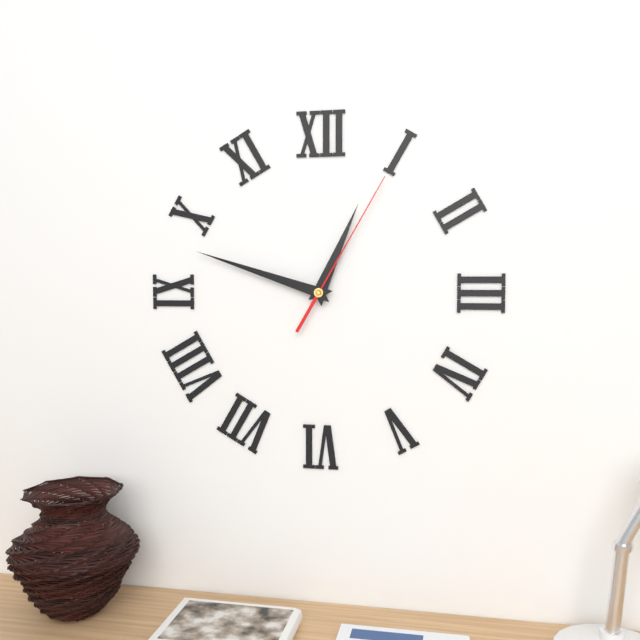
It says 12:48:05
